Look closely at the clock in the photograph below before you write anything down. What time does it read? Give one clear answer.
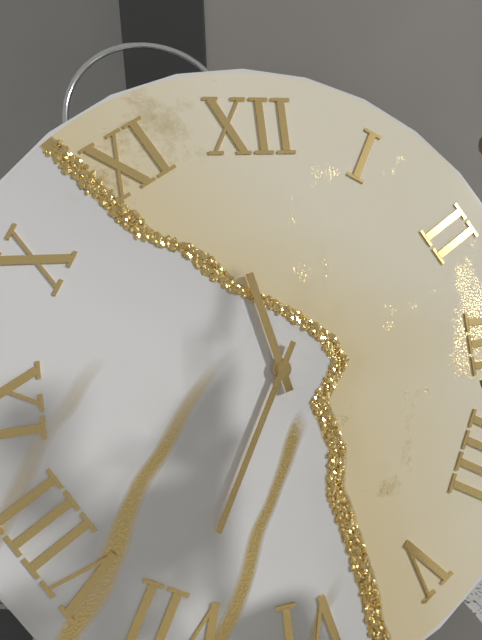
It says 11:35
